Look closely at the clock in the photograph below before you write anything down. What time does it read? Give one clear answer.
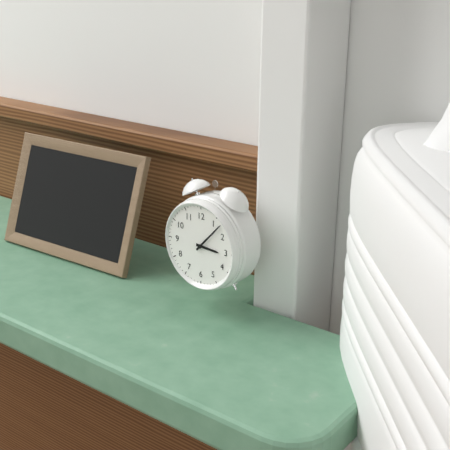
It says 3:07
